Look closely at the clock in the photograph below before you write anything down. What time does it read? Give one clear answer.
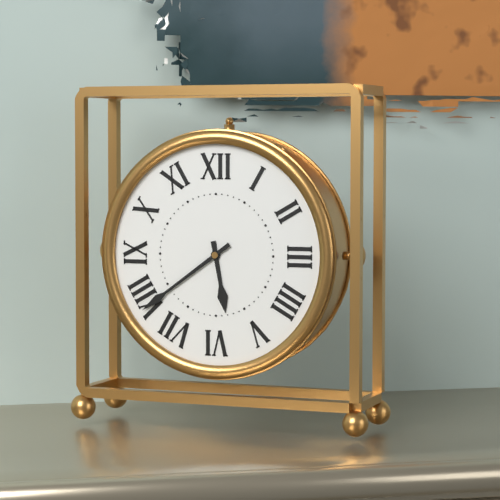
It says 5:39
